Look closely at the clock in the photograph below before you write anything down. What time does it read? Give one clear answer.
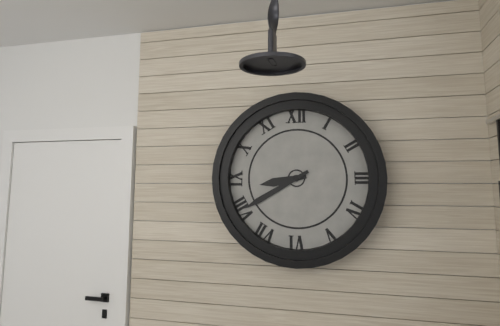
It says 8:40
